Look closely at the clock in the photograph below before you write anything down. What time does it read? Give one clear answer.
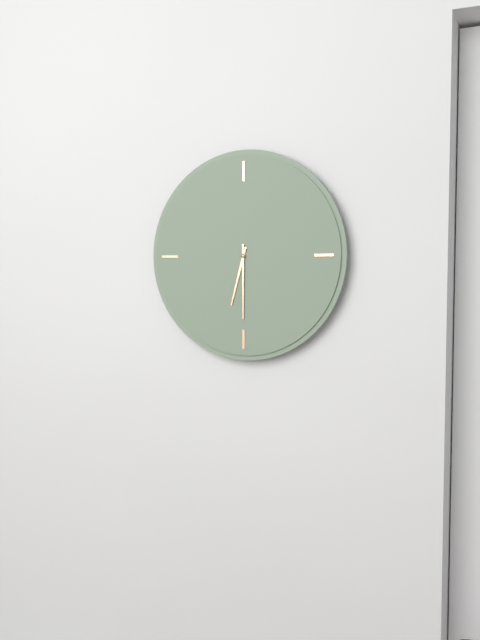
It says 6:30
